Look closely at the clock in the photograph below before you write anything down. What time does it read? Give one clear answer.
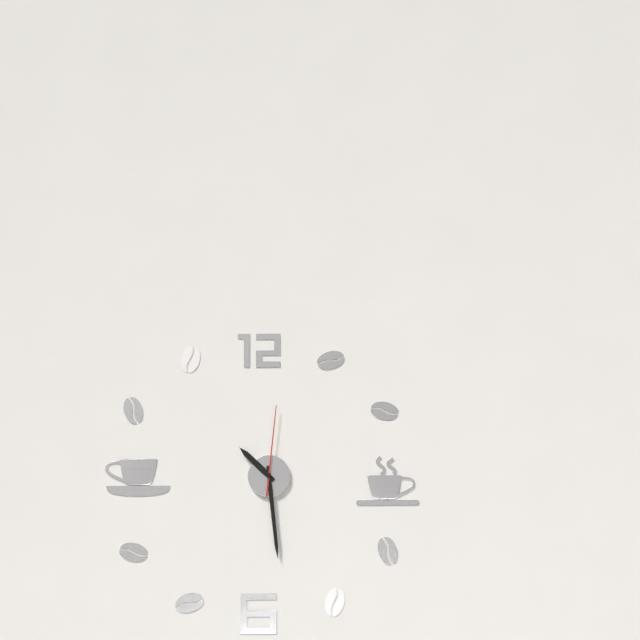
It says 10:29:01
